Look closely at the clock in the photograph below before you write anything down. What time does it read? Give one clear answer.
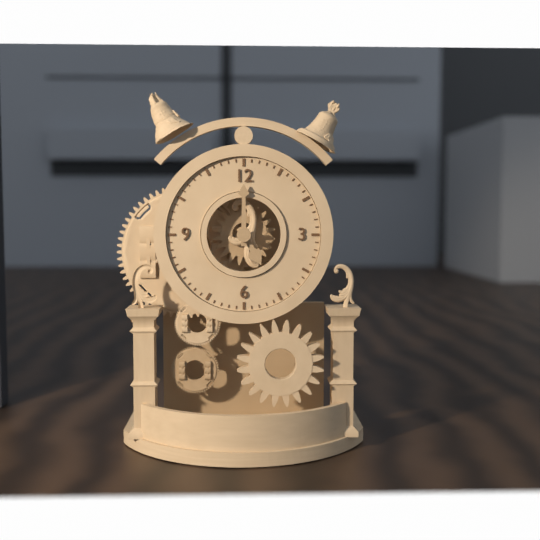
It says 5:00
